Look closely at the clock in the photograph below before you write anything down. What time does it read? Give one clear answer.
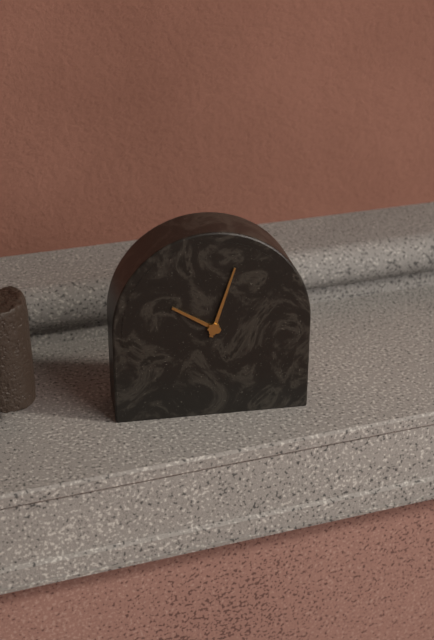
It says 10:03
